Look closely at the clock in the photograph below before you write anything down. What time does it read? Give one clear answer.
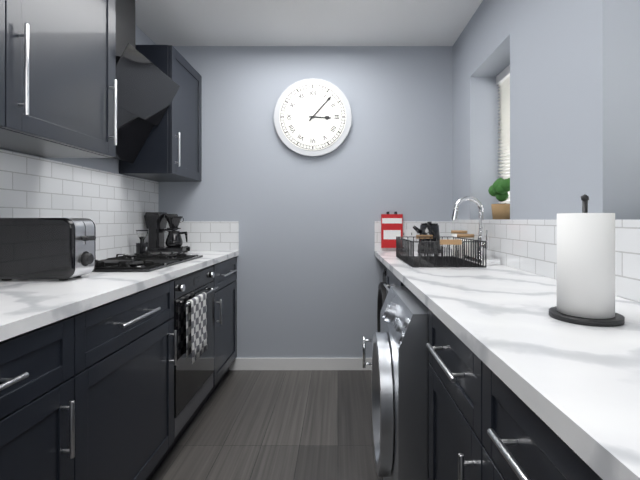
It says 3:07
